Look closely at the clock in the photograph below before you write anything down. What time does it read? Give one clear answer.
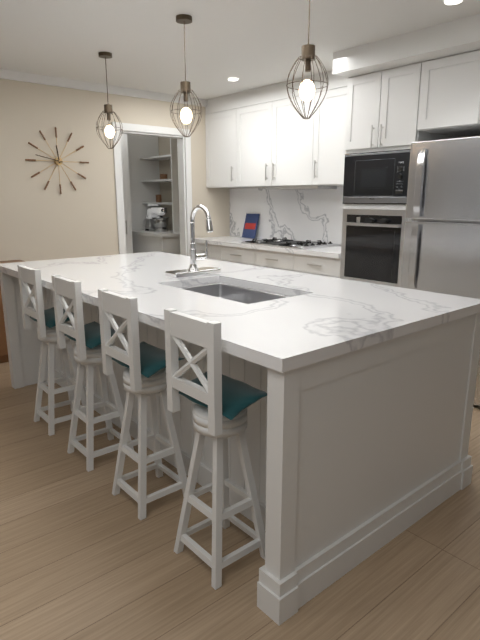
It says 11:47
